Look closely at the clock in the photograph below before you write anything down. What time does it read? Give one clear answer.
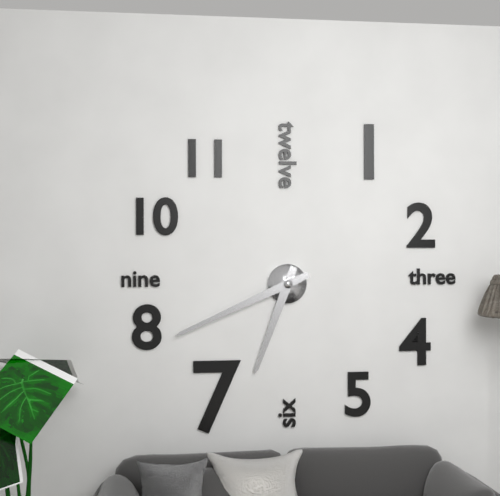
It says 6:41
